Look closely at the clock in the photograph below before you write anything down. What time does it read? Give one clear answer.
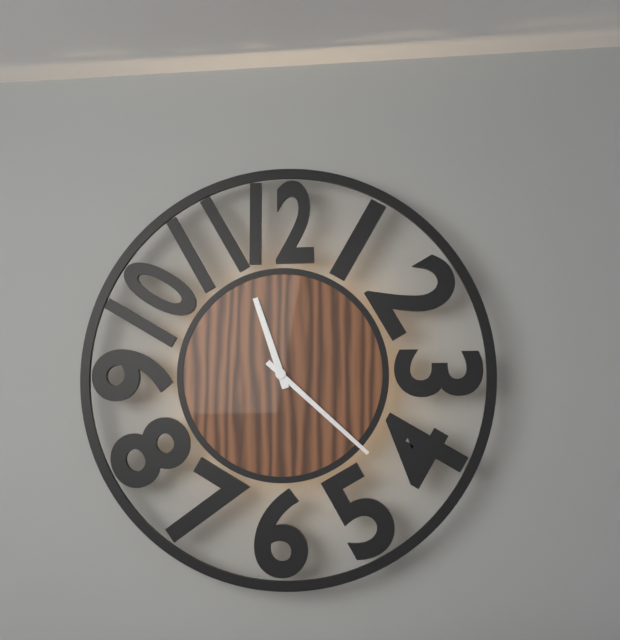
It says 11:22
